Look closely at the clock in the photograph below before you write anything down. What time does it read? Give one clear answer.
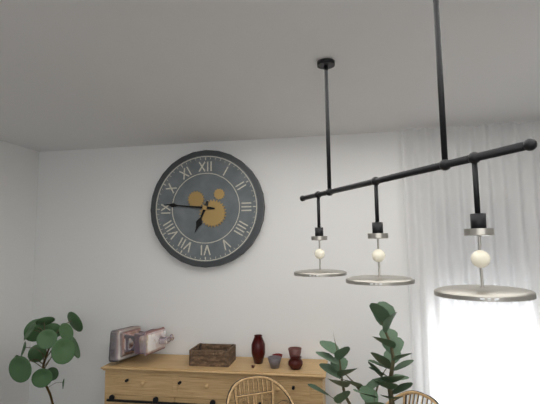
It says 6:46
